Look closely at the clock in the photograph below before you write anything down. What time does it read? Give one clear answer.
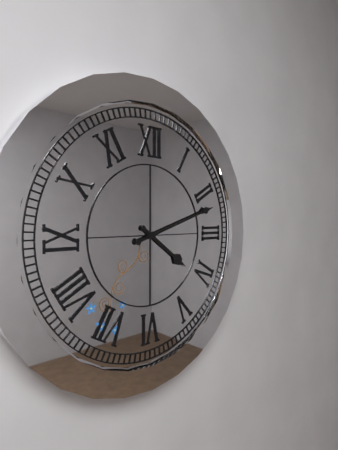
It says 4:12
